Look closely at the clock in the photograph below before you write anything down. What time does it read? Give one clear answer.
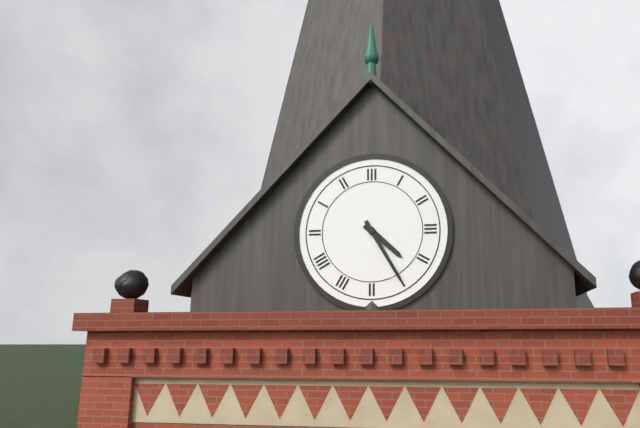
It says 4:25
